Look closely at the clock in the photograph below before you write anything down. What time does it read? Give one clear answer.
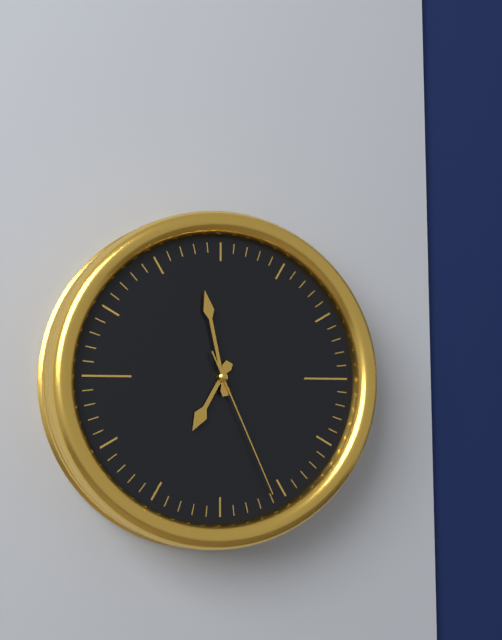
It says 6:58:26
